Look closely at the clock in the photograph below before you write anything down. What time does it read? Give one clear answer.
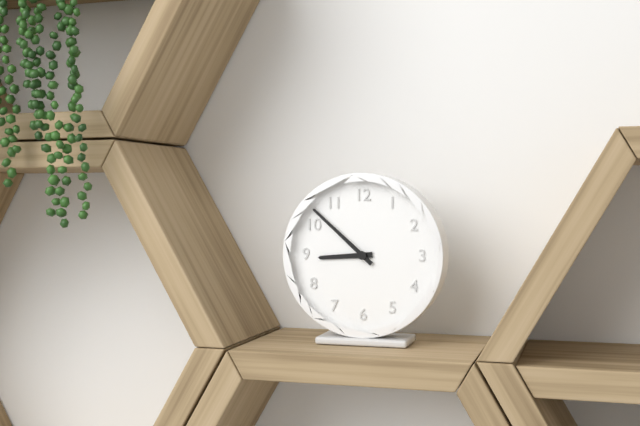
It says 8:52
